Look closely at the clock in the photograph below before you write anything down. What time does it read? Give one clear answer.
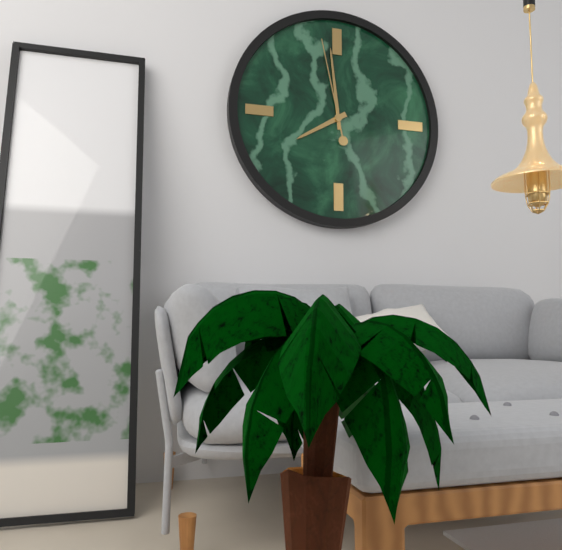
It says 7:59:58
